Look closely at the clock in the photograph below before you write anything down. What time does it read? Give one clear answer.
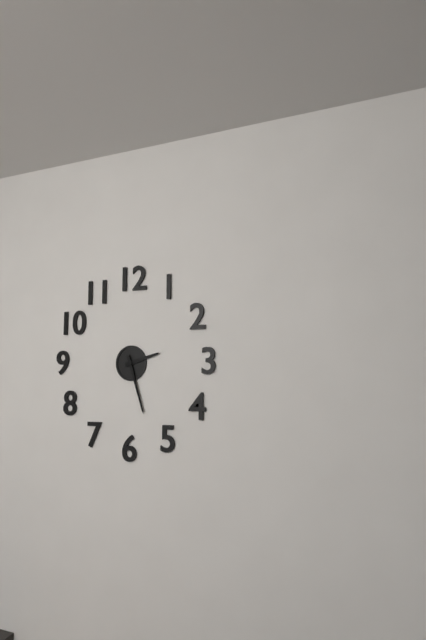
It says 2:27
